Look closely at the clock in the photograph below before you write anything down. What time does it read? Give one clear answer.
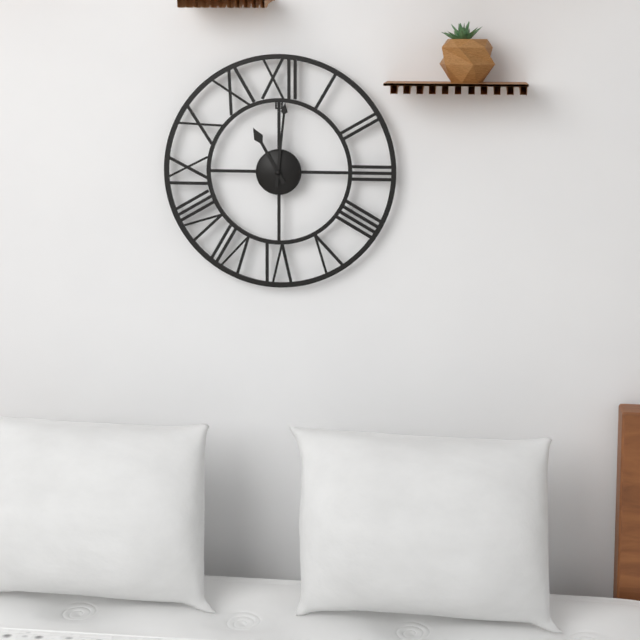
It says 11:01
